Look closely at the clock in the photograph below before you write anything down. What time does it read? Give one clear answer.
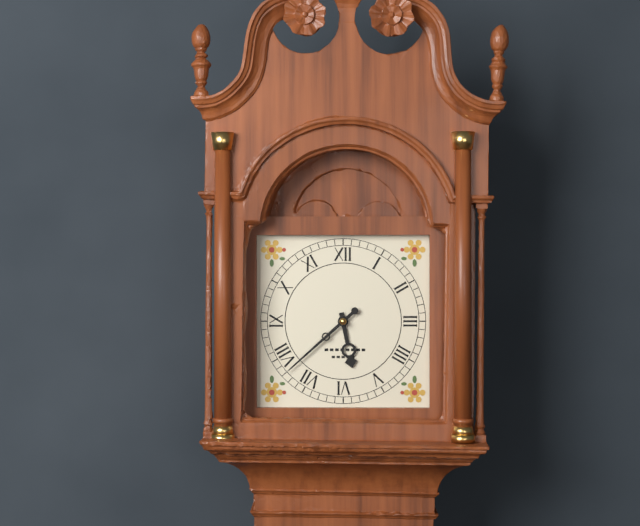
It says 5:38
